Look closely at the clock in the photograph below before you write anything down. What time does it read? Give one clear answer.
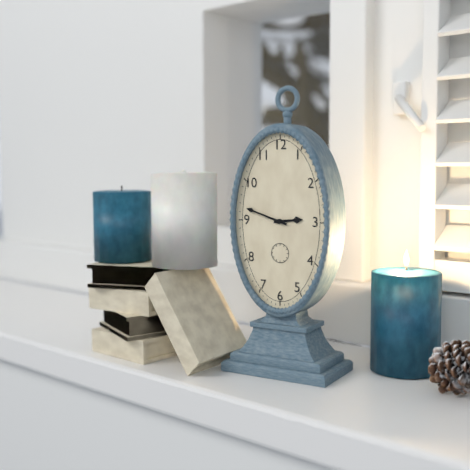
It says 2:48
